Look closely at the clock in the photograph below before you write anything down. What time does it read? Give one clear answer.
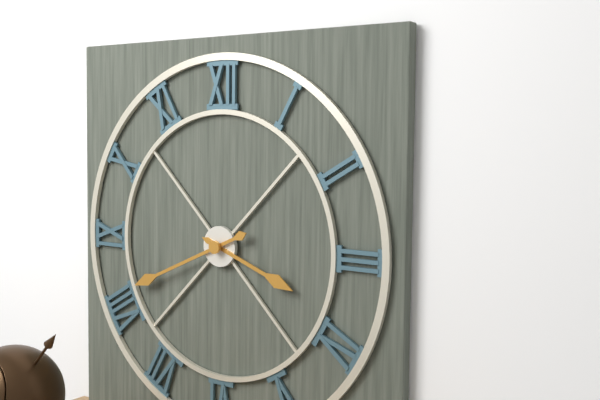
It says 3:41
